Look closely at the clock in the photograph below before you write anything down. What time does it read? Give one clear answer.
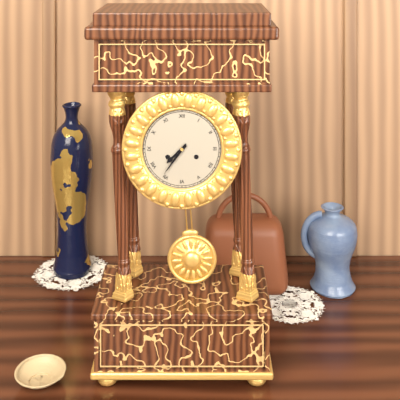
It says 7:36
